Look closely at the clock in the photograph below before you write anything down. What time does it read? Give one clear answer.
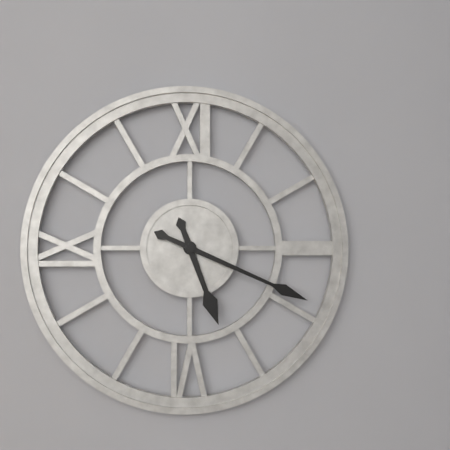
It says 5:19
